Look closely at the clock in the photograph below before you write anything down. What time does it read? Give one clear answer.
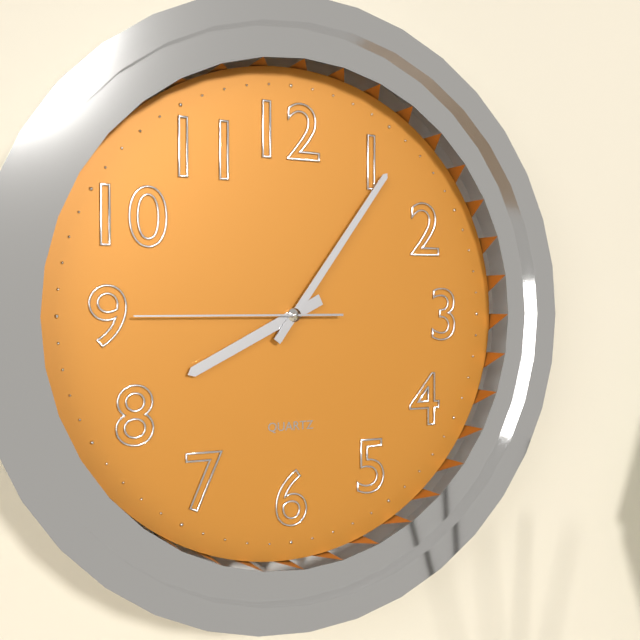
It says 8:06:45
